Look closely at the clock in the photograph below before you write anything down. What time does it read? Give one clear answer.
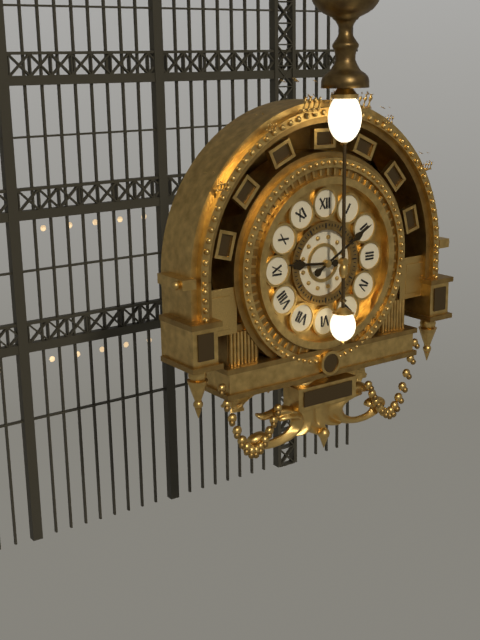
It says 9:10
